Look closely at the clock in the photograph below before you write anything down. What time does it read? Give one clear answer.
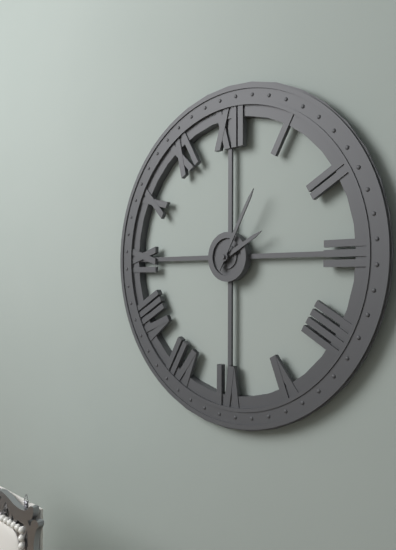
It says 2:05
